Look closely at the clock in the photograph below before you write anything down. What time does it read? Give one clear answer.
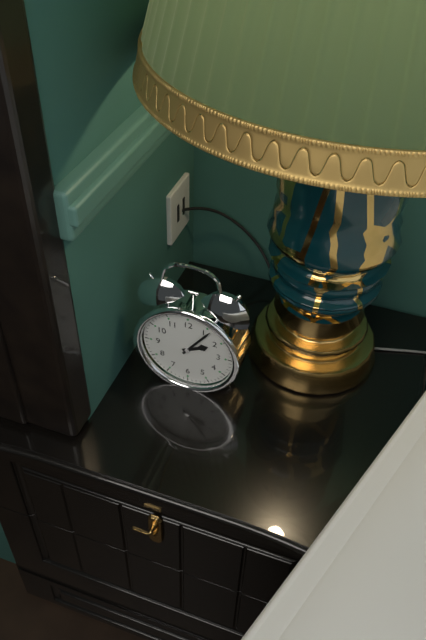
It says 2:06
